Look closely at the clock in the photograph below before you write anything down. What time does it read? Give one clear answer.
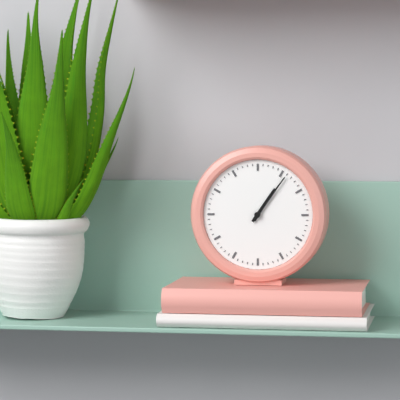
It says 1:06
